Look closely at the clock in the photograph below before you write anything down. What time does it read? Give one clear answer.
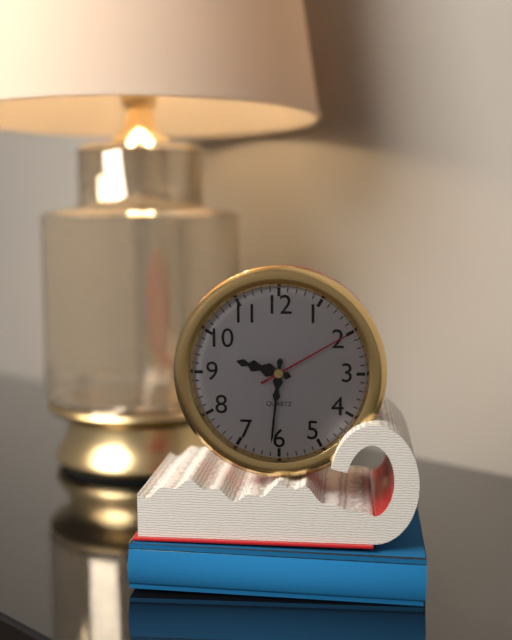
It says 9:31:10
